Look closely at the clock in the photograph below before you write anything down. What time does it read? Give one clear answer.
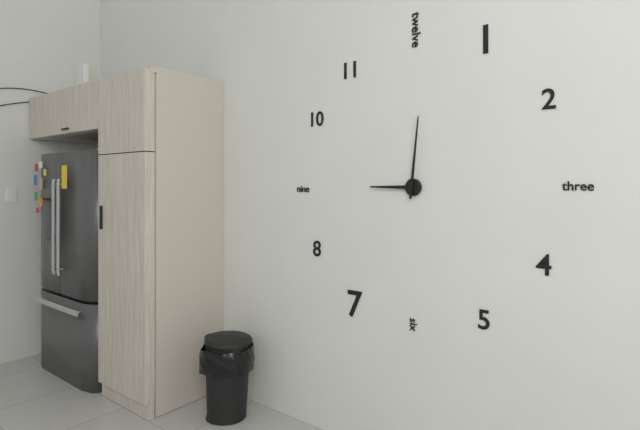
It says 9:01
